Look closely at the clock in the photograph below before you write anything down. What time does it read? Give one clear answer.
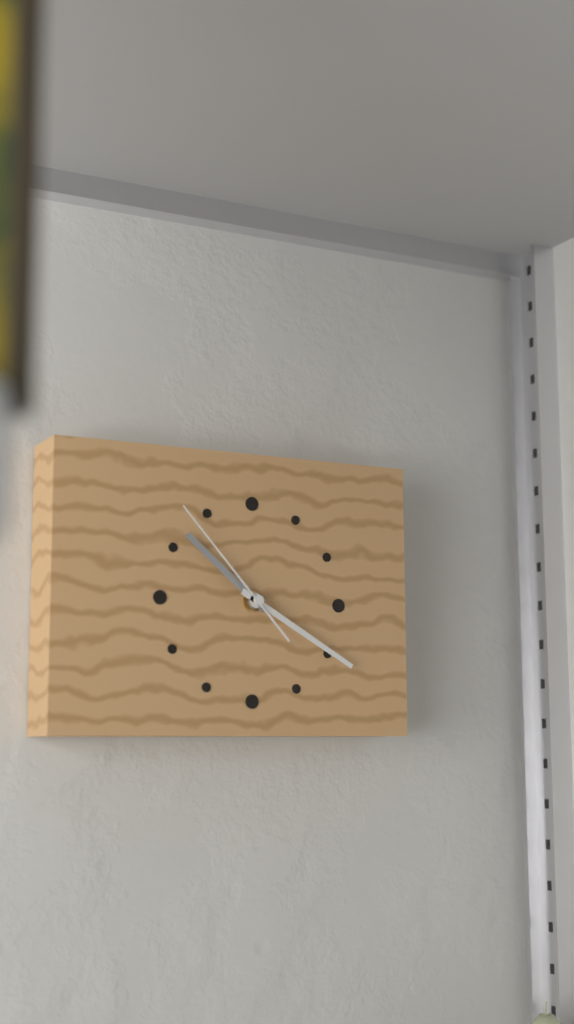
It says 10:20:53
